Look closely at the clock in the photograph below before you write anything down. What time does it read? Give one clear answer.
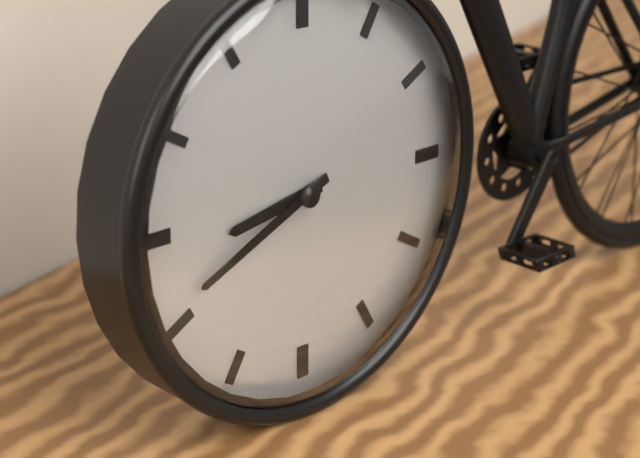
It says 8:41
